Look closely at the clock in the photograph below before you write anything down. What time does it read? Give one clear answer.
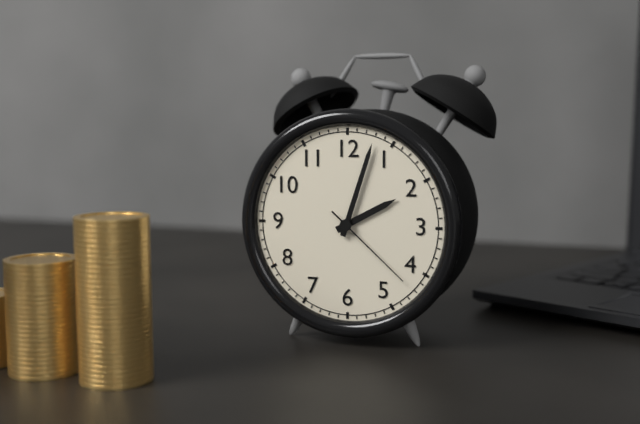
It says 2:03:22
